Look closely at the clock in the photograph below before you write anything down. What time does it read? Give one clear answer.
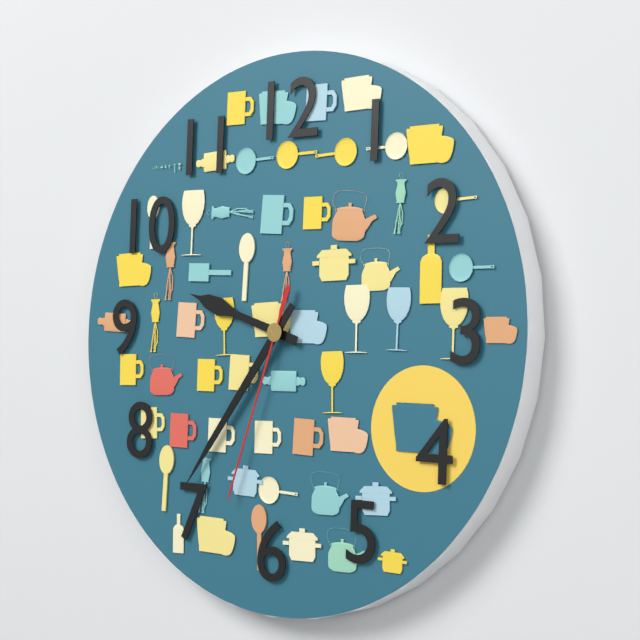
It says 9:36:33
